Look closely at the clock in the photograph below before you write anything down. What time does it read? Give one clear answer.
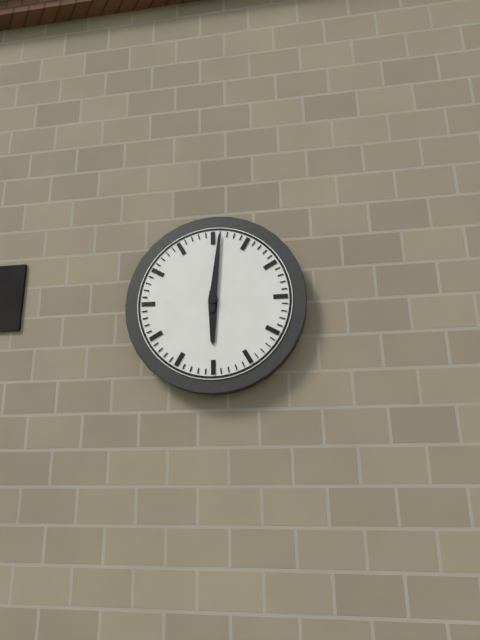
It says 6:01
